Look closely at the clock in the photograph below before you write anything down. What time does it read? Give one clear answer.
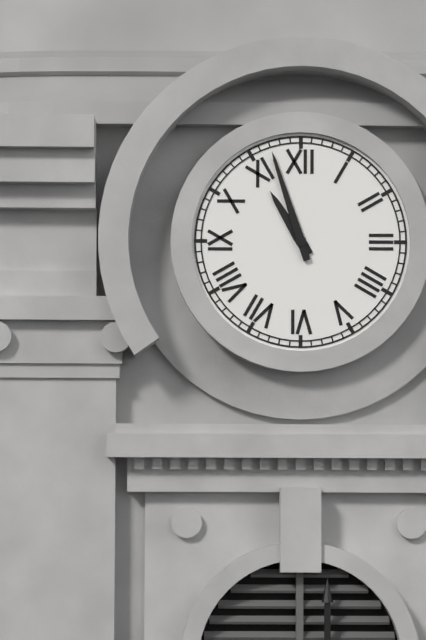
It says 10:57
